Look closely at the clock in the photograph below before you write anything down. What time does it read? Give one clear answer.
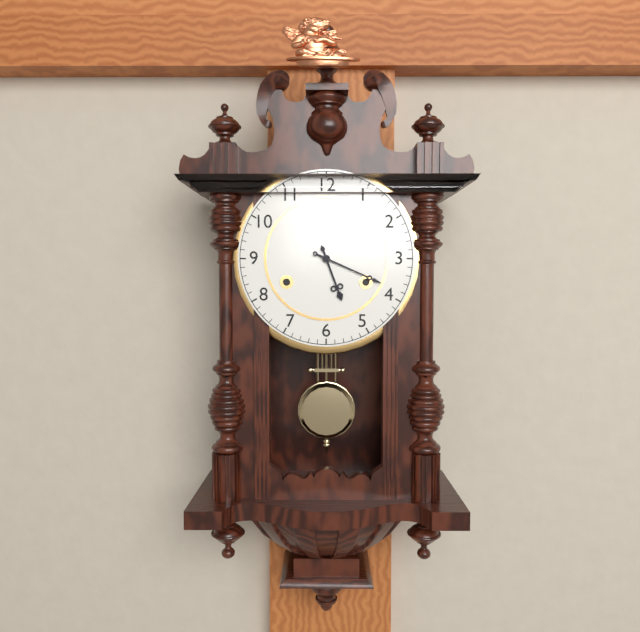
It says 5:19
